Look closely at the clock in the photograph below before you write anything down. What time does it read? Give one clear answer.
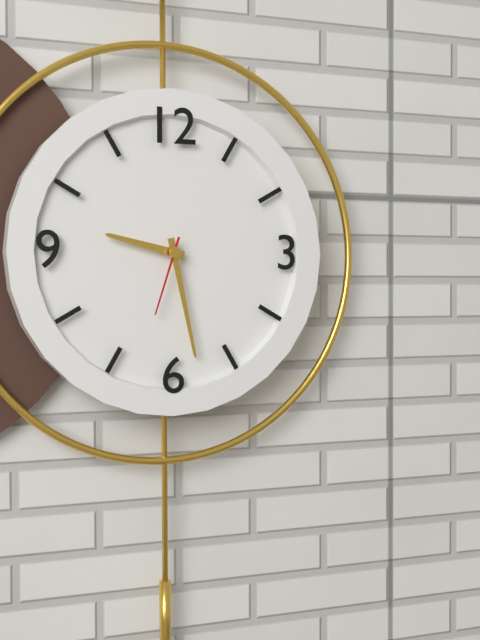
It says 9:28:33
